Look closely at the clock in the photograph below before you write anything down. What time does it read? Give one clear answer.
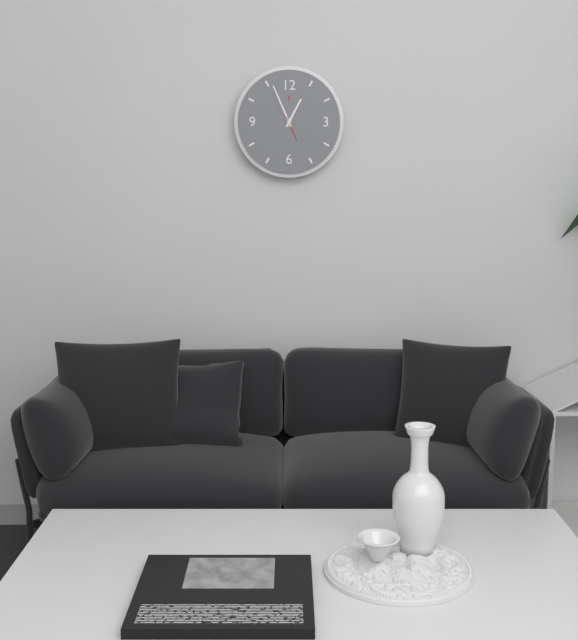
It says 12:56
